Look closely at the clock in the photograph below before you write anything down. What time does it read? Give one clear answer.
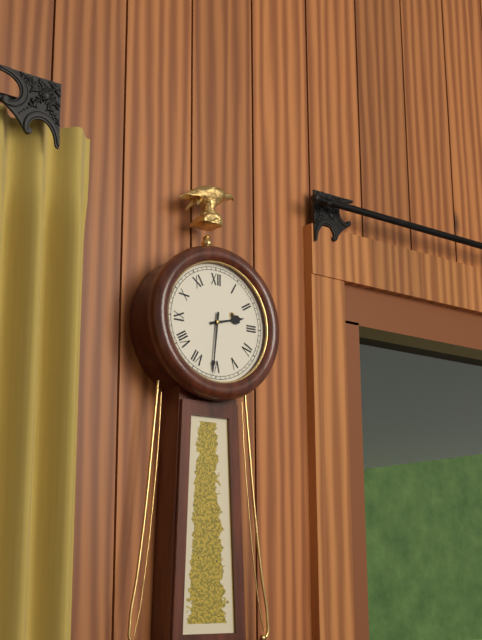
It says 2:31
